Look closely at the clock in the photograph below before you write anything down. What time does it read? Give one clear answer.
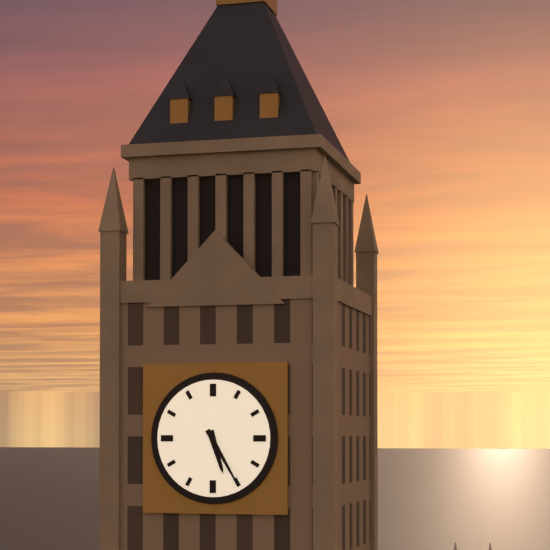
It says 5:25
